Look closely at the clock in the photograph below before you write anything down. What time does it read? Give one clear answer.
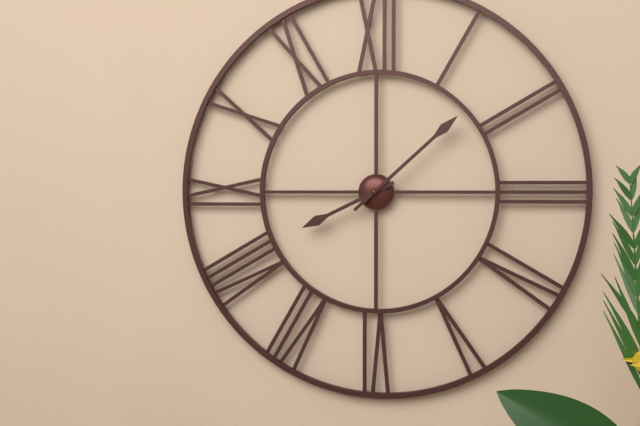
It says 8:08
